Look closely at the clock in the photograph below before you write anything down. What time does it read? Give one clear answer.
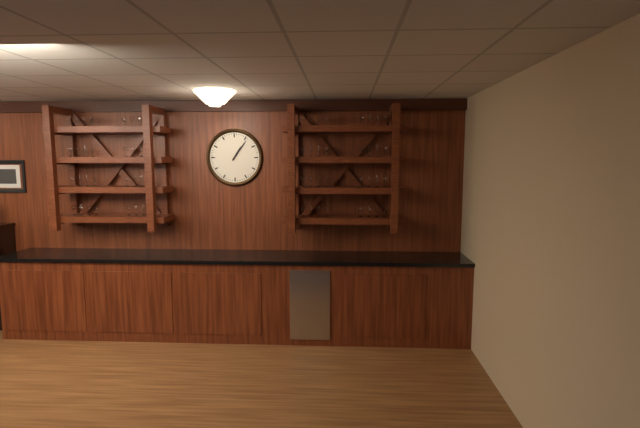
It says 1:06
